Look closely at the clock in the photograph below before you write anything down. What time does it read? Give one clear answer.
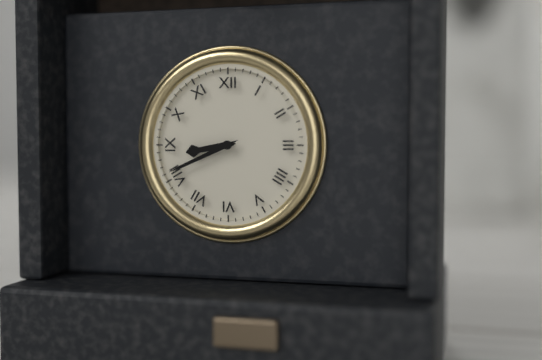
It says 8:41
